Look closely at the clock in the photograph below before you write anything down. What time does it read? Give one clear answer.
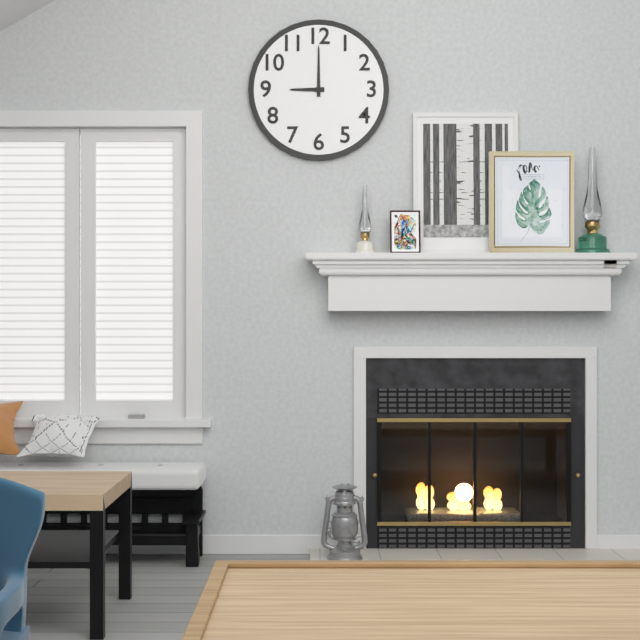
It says 9:00
